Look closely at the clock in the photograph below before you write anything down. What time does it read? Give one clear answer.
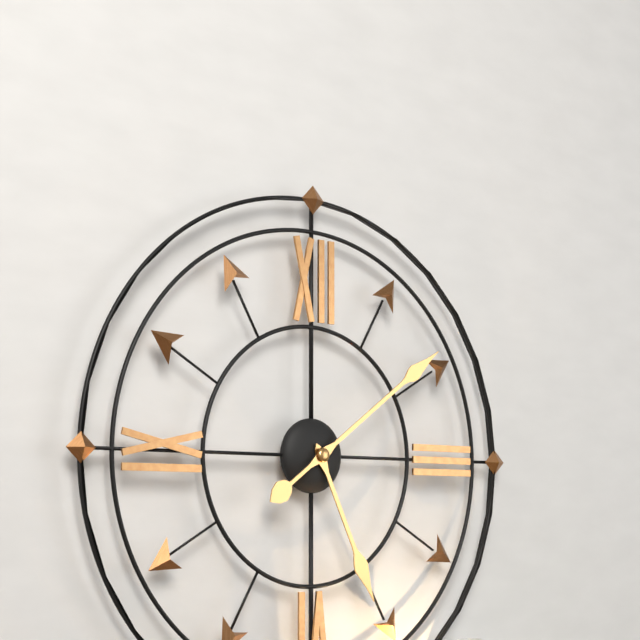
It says 5:09
